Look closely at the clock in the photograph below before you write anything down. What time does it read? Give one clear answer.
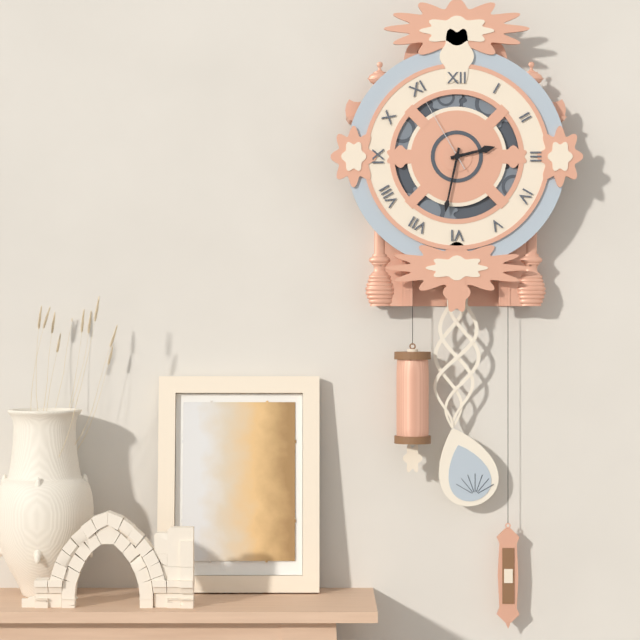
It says 2:32:55
